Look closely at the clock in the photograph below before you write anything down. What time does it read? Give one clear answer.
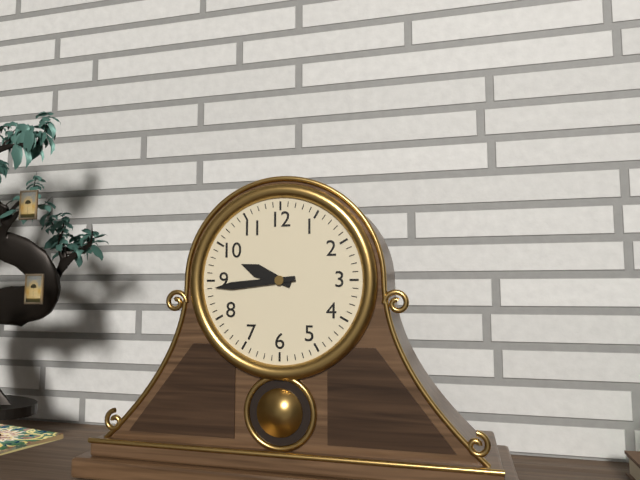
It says 9:44
